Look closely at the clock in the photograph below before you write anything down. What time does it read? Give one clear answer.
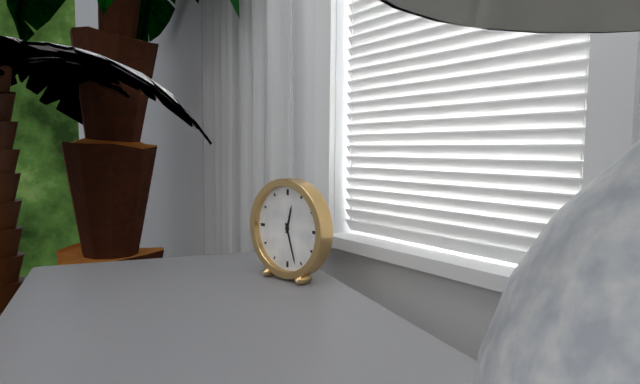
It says 12:27
